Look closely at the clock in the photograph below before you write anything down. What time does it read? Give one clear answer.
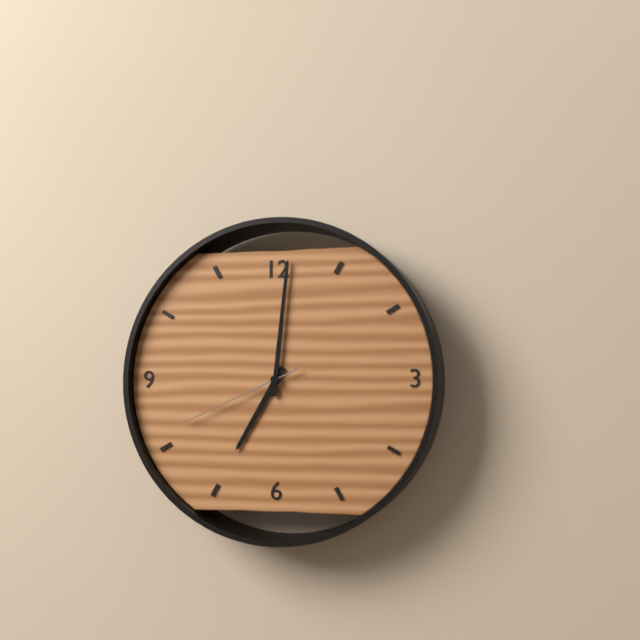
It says 7:01:41
